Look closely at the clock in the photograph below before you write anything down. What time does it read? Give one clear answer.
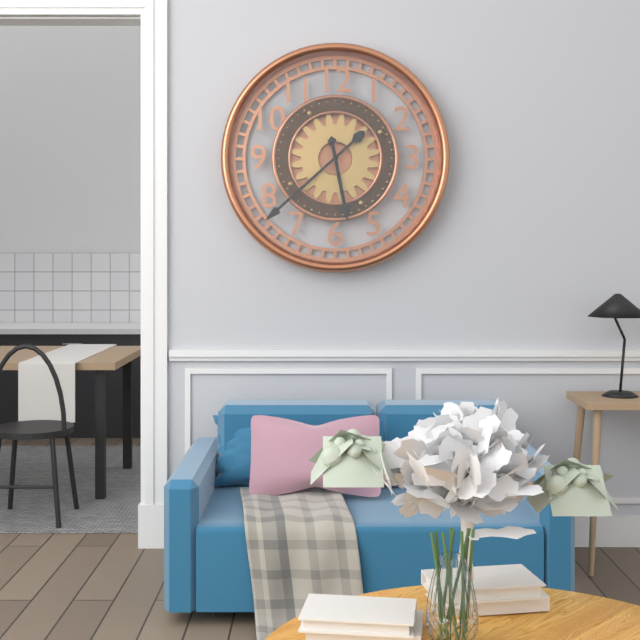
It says 5:38
